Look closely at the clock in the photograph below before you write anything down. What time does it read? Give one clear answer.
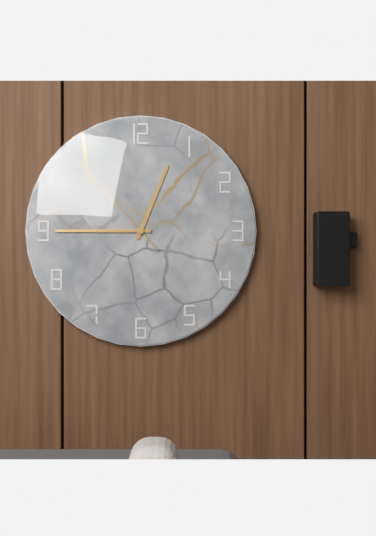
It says 12:45:53
